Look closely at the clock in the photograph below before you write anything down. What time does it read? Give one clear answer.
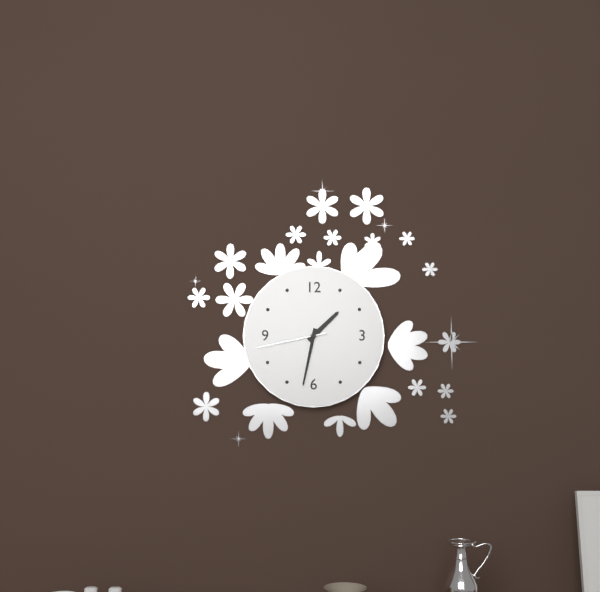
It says 1:32:43
